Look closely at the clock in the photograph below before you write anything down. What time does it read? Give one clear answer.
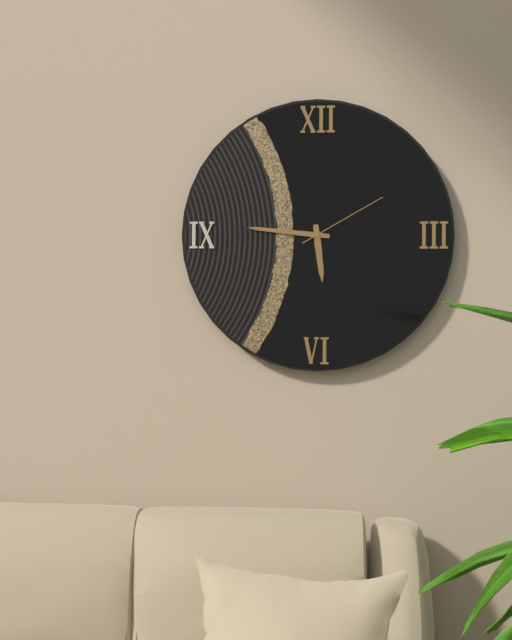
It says 5:46:10
